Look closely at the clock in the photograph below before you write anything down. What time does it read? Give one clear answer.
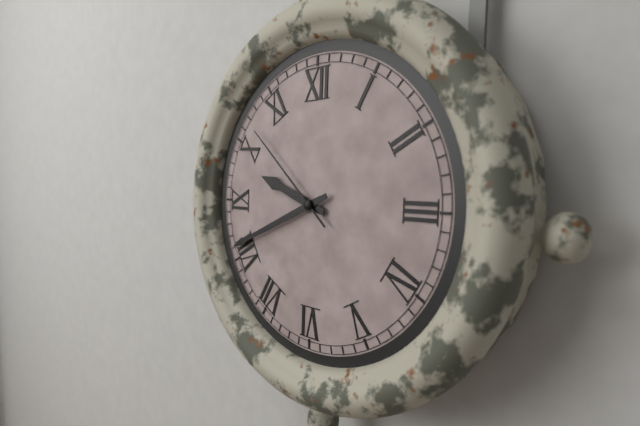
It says 9:41:52
